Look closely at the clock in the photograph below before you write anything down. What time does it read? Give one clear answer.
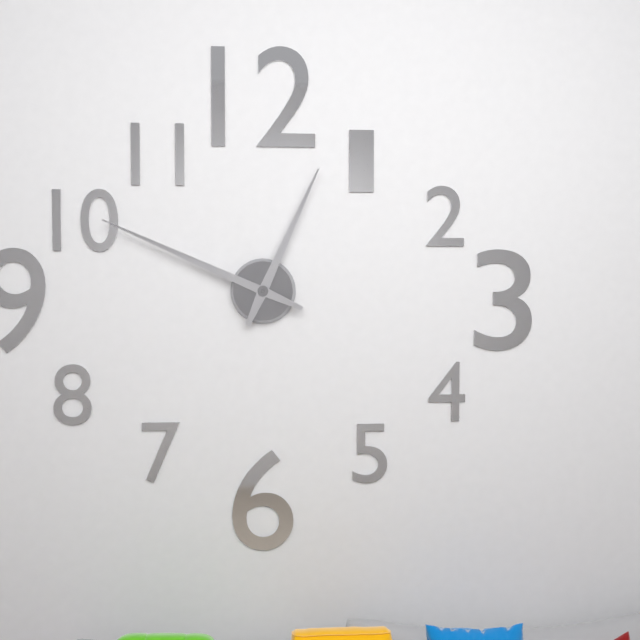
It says 12:49
